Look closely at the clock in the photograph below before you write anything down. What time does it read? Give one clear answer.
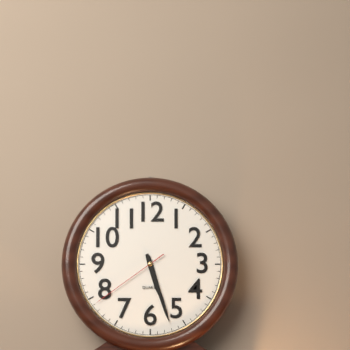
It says 5:27:39
